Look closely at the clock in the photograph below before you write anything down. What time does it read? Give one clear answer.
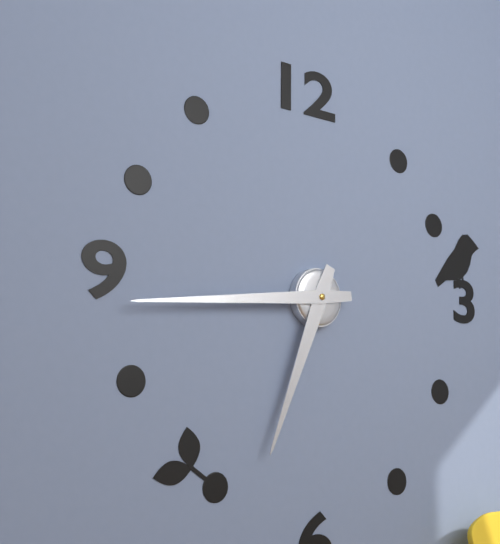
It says 6:44
